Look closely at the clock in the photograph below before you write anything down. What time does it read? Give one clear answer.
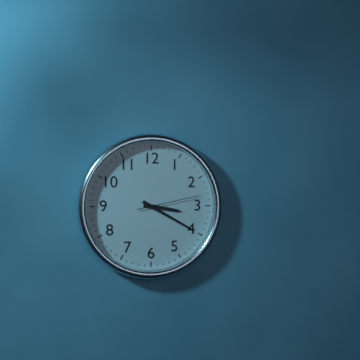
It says 3:20:13
